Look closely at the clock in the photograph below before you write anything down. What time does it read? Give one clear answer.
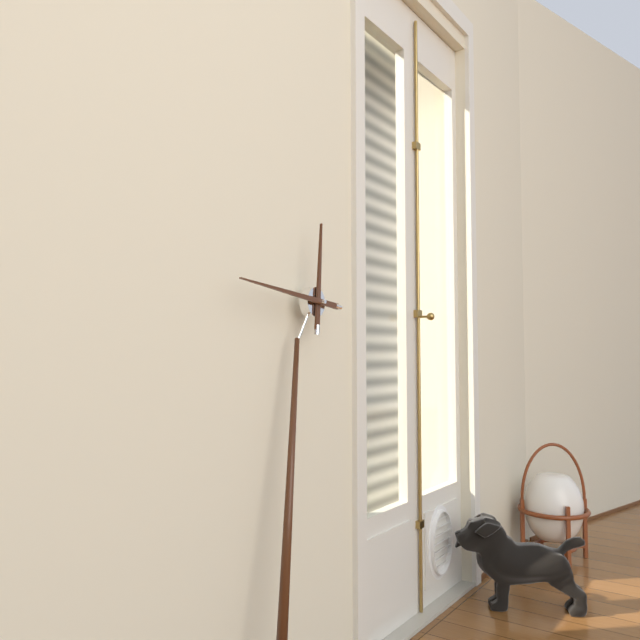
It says 11:44
